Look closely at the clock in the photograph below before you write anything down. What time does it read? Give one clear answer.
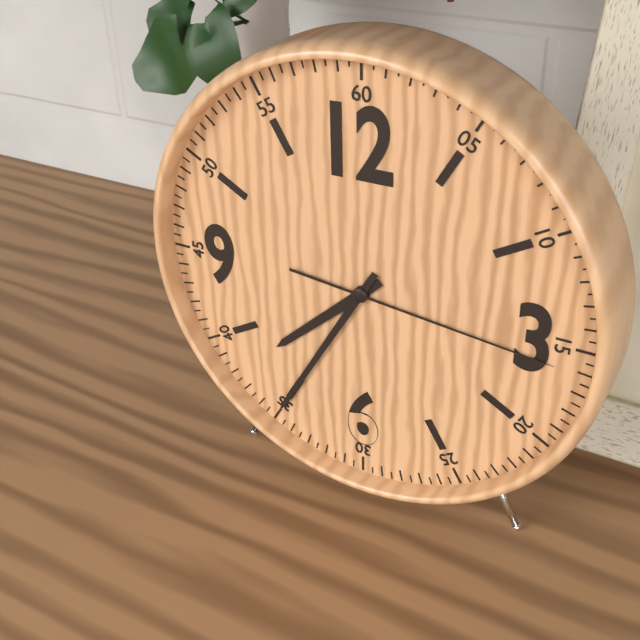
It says 7:35:16
